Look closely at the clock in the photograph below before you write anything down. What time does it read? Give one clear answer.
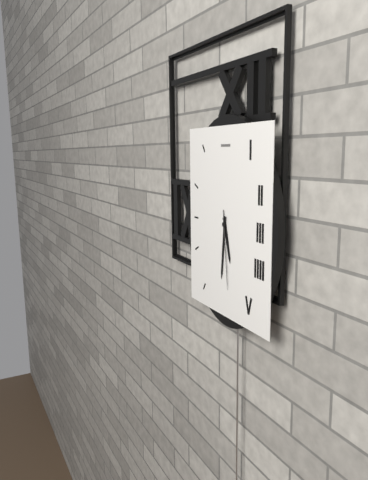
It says 5:31:29
